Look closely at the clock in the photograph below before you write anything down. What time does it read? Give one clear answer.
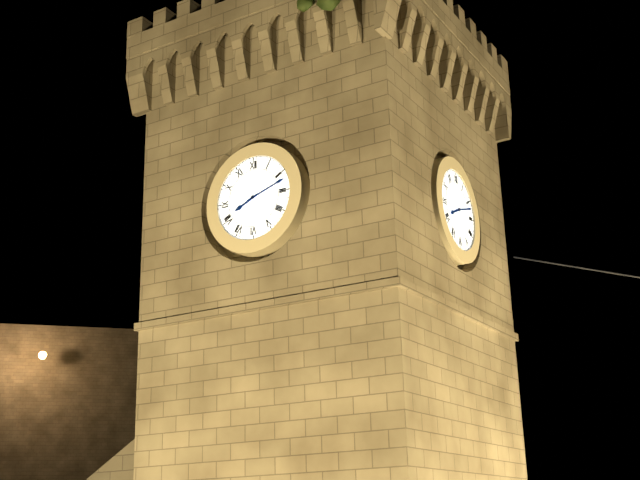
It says 8:12
